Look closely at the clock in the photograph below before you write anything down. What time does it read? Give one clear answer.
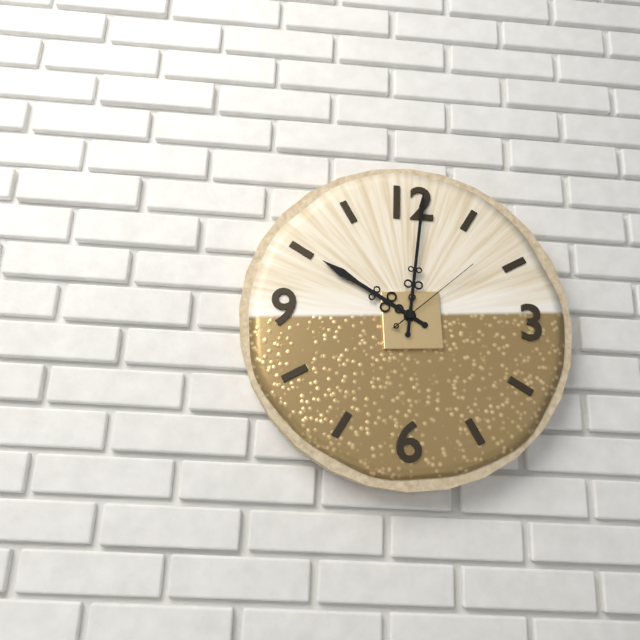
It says 10:01:08
